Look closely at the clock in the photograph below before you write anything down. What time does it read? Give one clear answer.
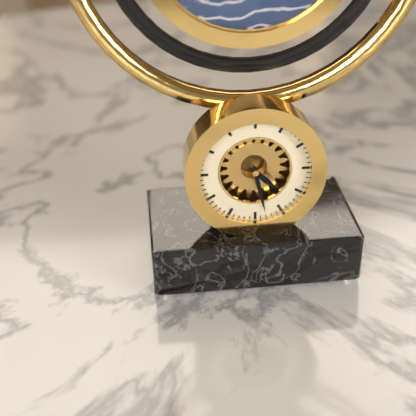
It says 4:28
